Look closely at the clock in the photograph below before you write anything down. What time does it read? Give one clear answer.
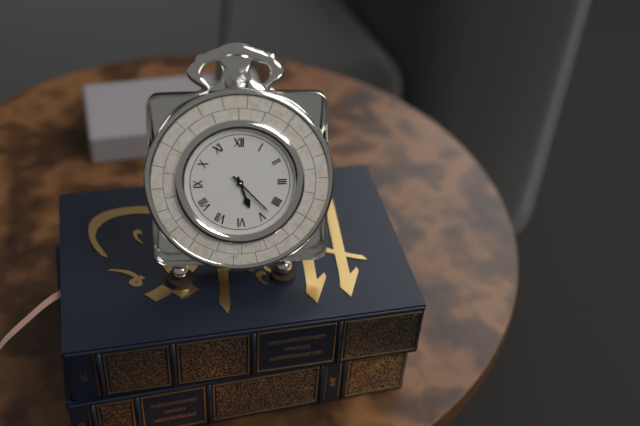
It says 5:23
